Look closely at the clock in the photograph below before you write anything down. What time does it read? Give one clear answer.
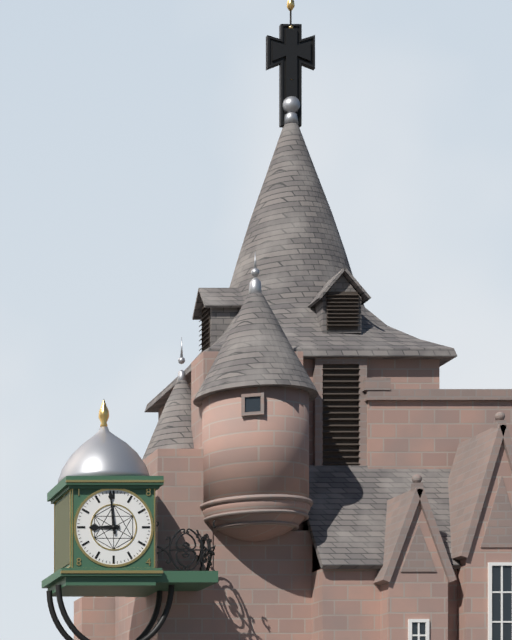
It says 8:59
